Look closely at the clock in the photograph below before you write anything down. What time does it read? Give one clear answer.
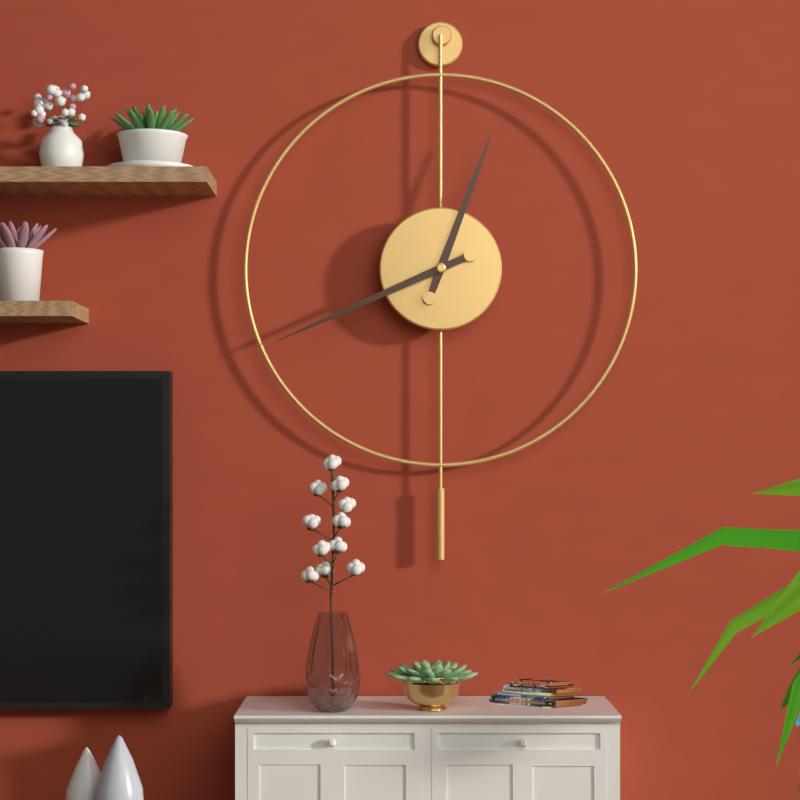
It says 12:41
